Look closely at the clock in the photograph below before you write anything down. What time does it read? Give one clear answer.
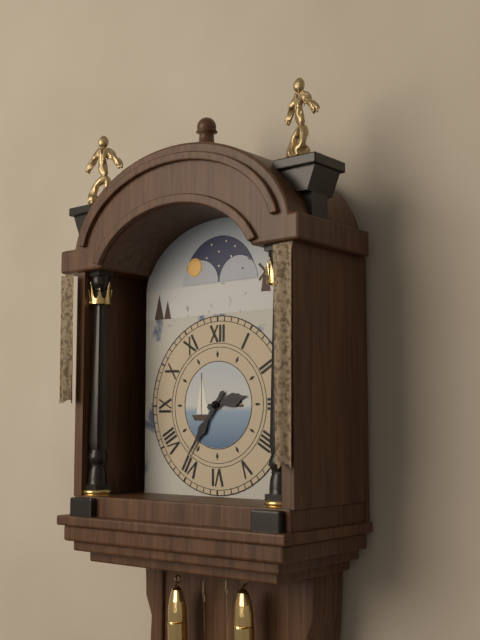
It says 2:36
